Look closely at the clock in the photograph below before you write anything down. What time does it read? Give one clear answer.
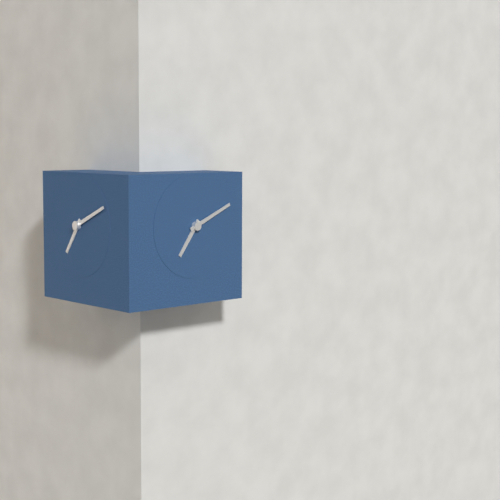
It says 7:11
